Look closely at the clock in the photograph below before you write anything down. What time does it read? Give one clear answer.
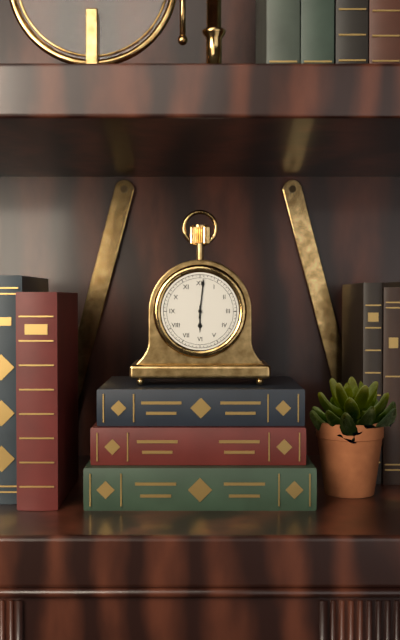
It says 6:01
